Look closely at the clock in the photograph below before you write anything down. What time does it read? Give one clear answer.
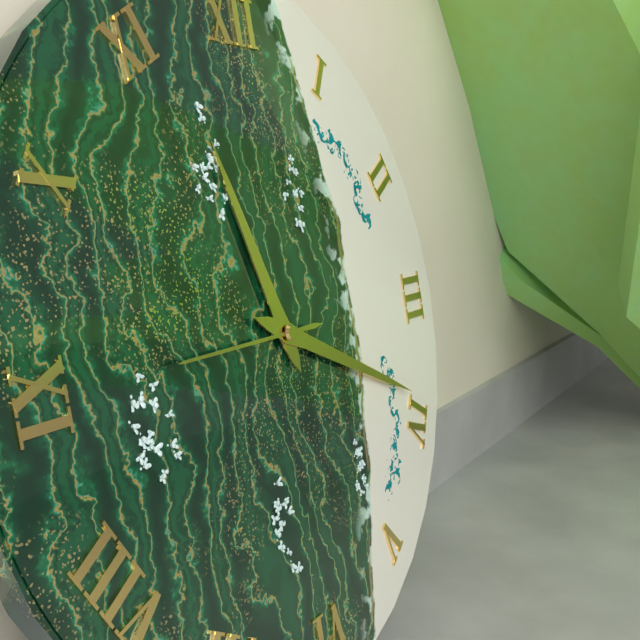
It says 11:19:45
